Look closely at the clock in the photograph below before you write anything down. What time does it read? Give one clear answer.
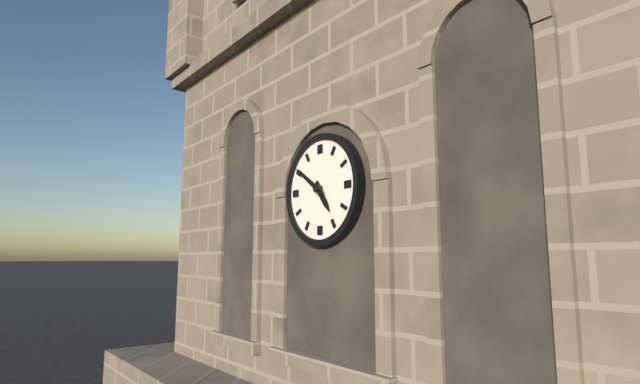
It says 4:51
